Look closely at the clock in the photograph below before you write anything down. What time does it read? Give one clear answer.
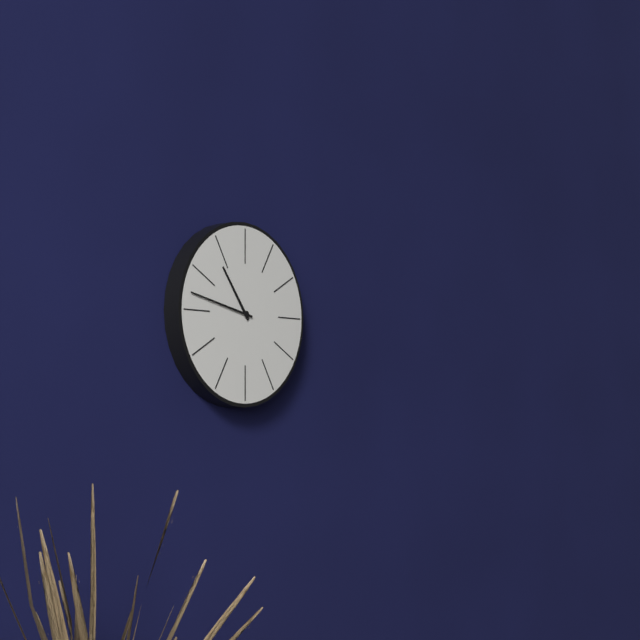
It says 10:47
